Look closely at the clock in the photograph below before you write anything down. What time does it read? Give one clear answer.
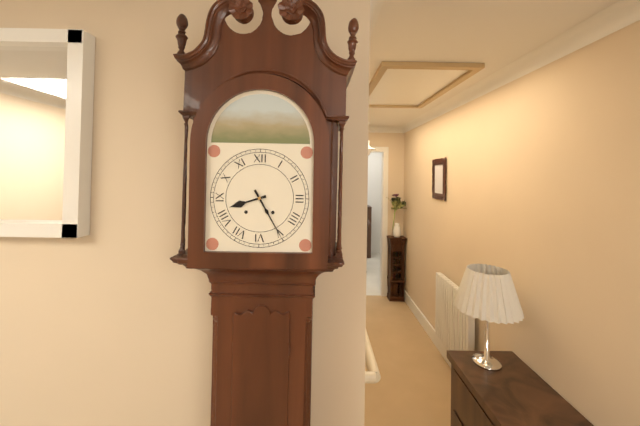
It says 8:25
